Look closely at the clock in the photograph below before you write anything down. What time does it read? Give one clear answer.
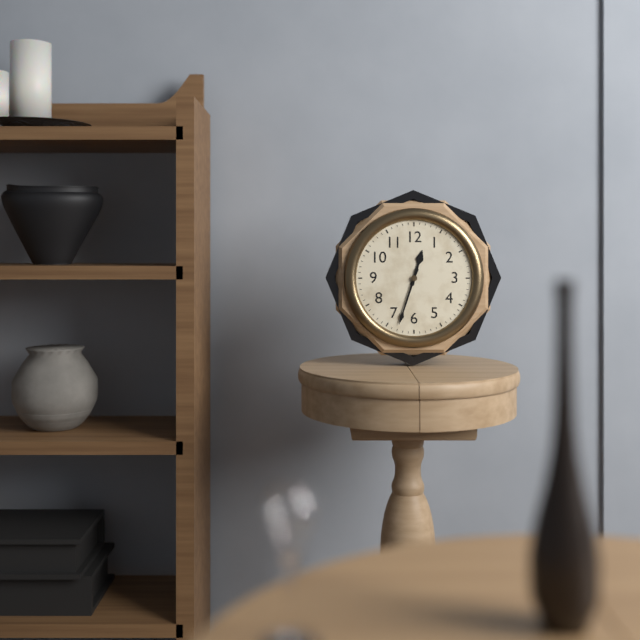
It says 12:33
